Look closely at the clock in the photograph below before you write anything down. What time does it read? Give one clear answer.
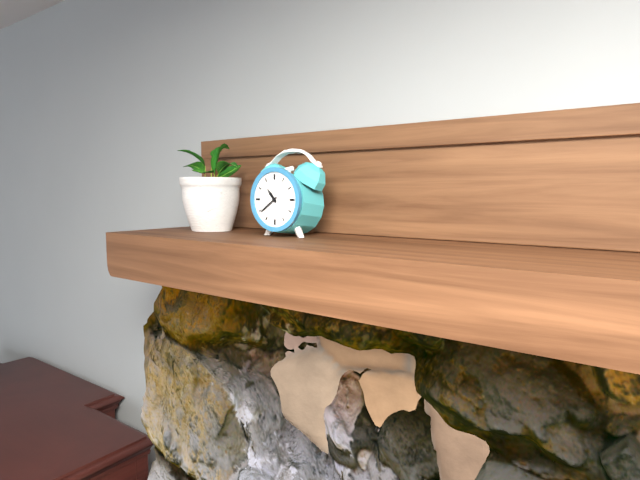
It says 10:39
